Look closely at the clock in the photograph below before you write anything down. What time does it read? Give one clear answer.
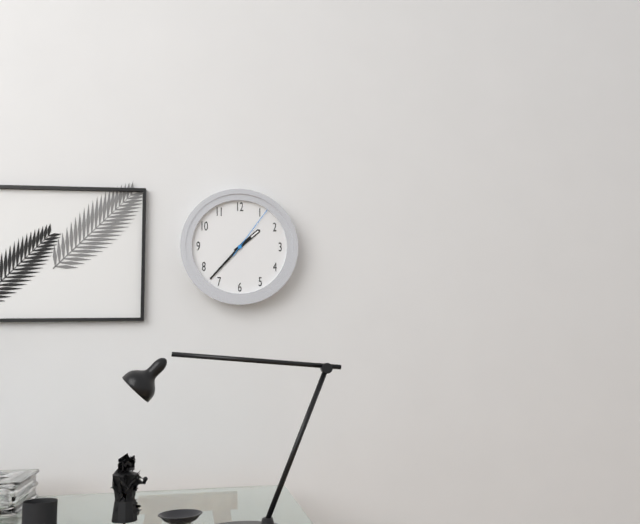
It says 1:37:06
